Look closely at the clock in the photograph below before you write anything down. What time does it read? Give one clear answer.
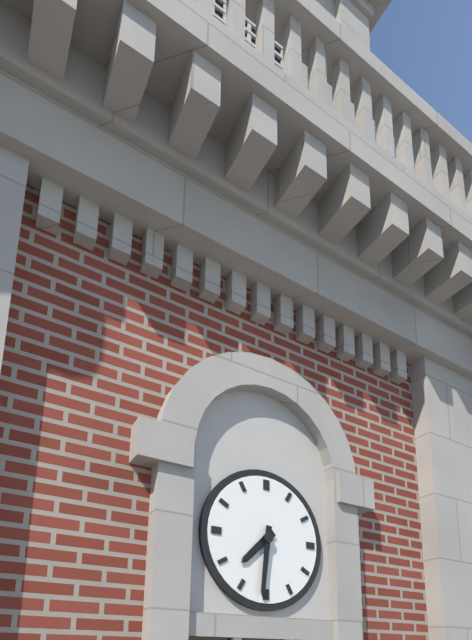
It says 7:31
